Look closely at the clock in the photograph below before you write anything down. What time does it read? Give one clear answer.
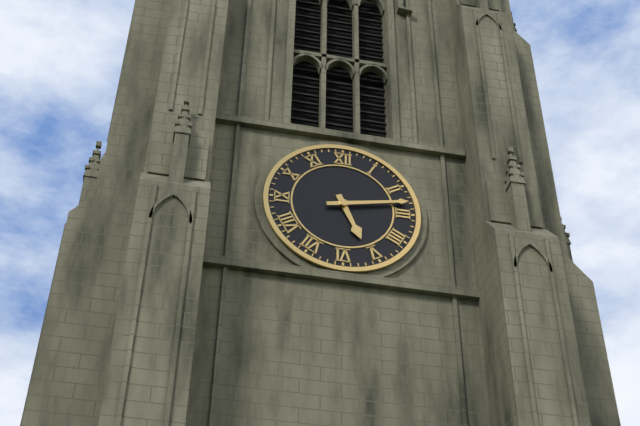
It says 5:13
